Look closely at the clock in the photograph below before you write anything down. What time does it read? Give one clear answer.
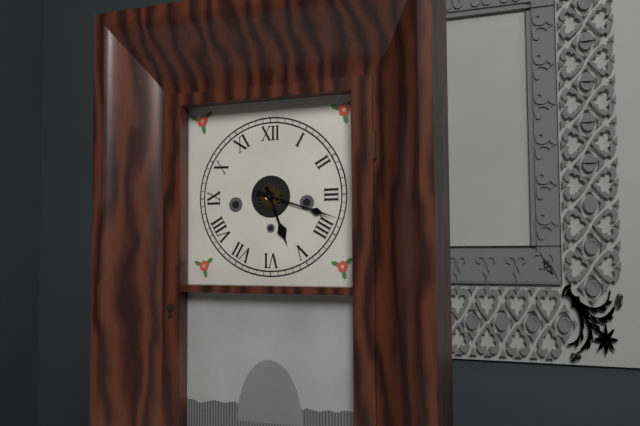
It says 5:18
